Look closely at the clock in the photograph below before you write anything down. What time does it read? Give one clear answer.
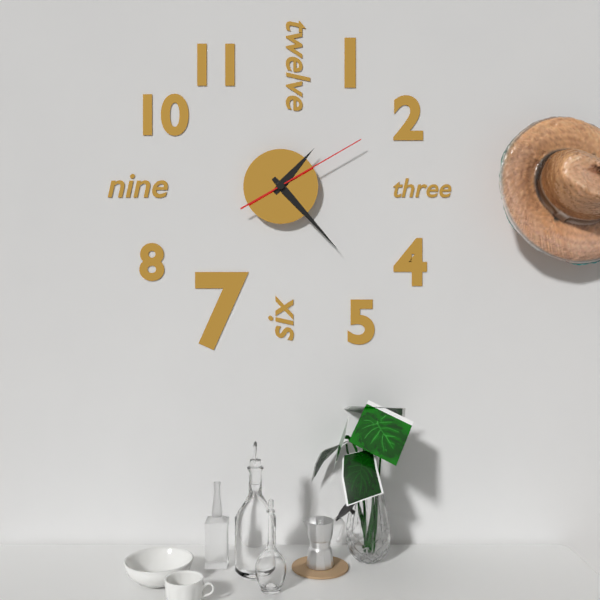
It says 1:23:10
